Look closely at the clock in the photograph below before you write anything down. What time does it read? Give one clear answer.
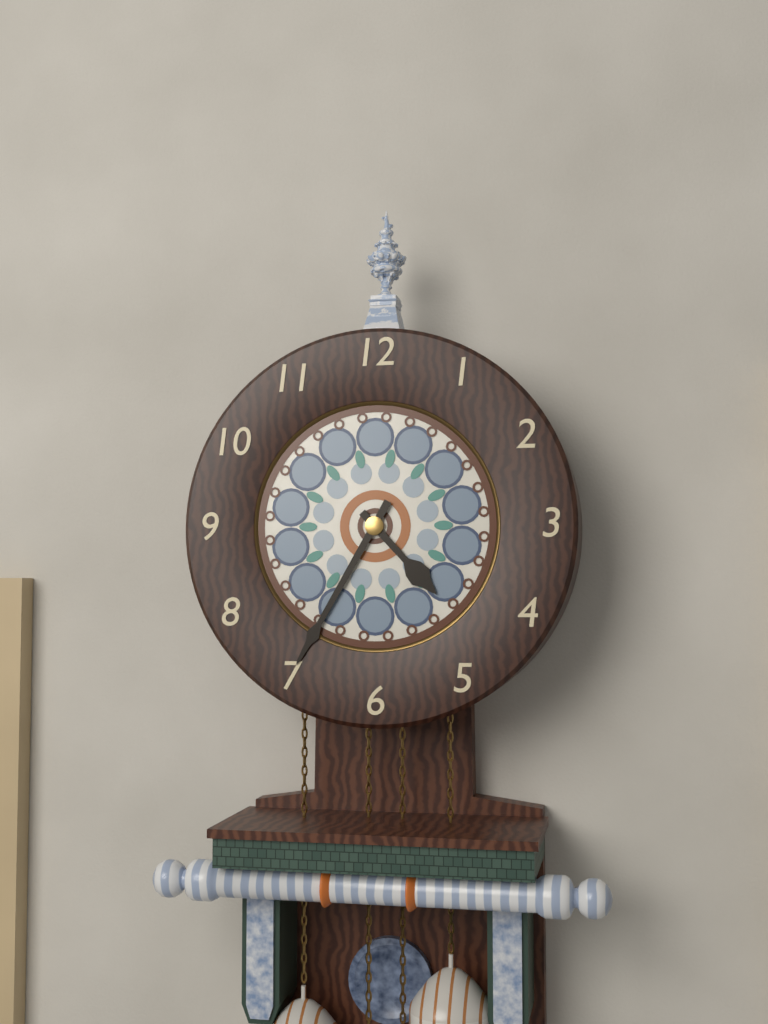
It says 4:35
